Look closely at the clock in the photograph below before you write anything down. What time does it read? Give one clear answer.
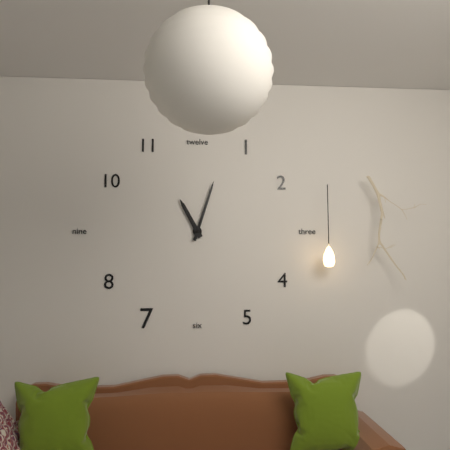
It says 11:03
